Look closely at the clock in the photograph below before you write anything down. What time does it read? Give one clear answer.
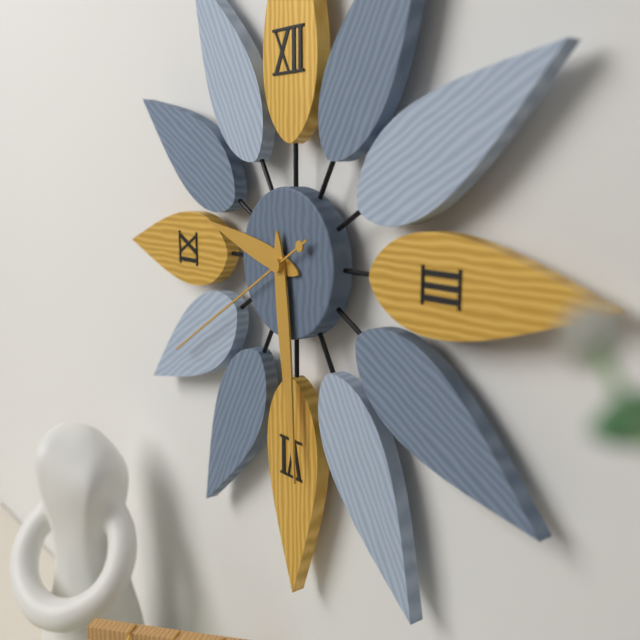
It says 9:29:40
